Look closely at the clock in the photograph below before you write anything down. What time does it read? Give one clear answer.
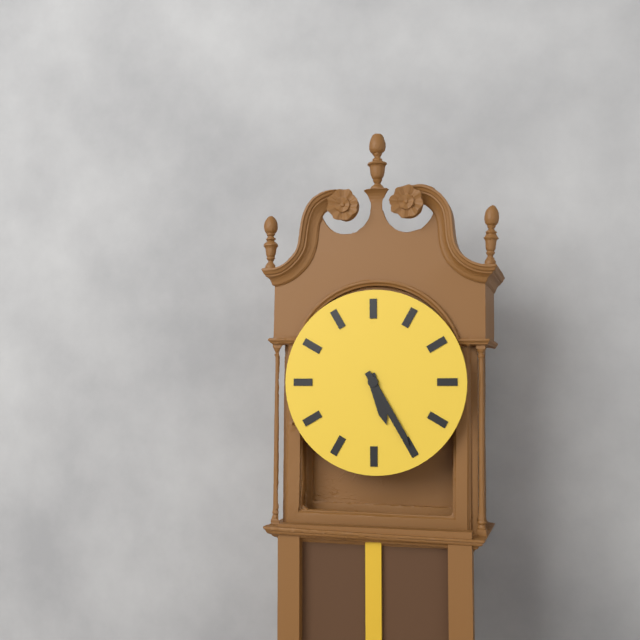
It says 5:25
